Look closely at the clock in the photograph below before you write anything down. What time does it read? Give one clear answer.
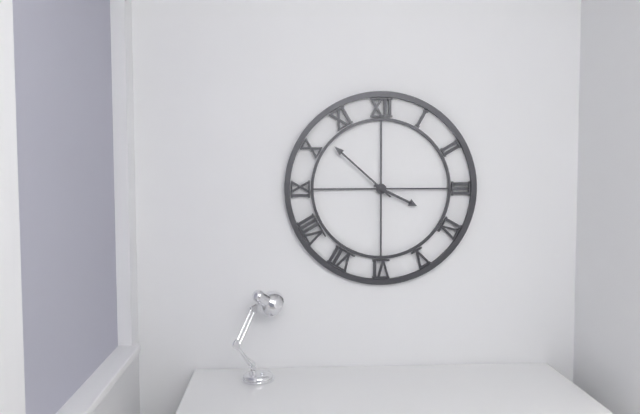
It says 3:52
